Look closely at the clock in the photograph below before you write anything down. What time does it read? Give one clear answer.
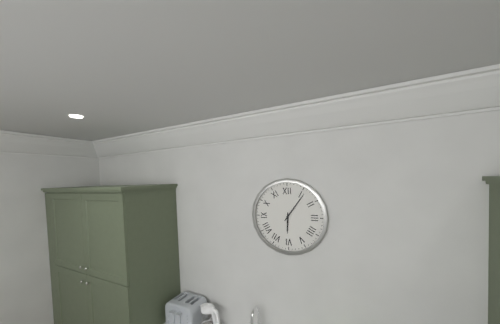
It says 6:06
